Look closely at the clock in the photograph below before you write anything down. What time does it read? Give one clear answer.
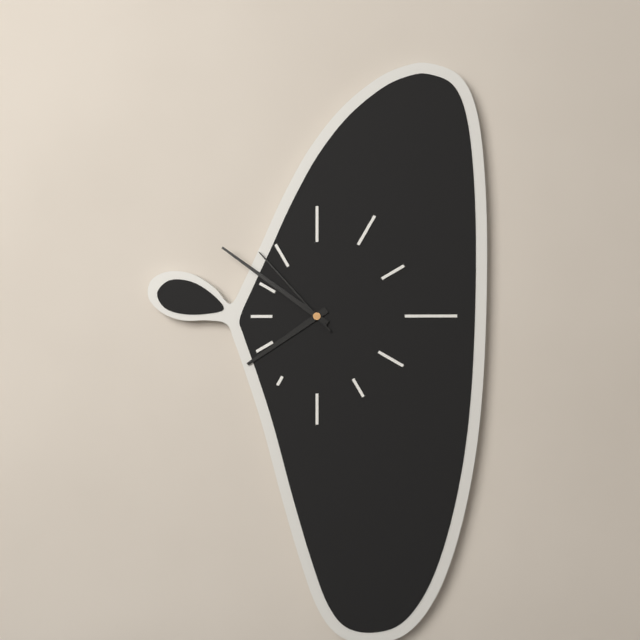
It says 7:51:53
